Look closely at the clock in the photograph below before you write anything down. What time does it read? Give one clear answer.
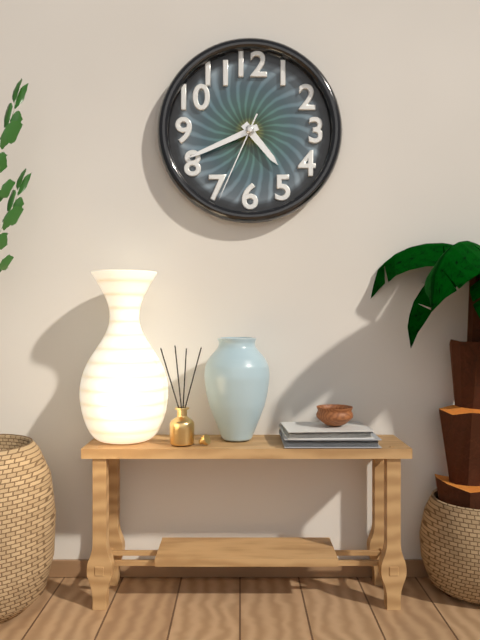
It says 4:41:34
